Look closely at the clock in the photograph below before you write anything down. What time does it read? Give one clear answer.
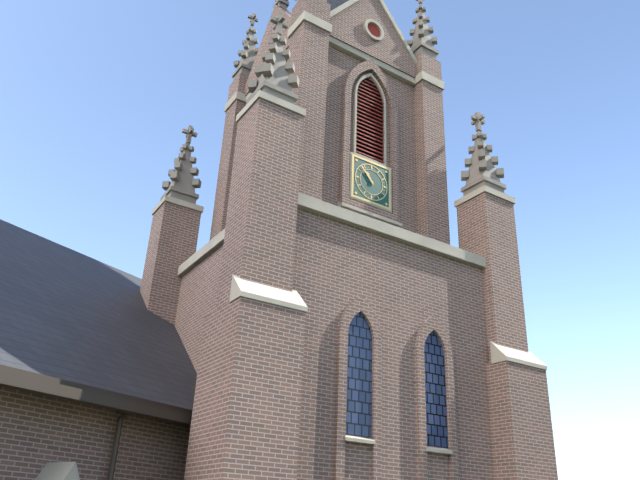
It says 10:53
